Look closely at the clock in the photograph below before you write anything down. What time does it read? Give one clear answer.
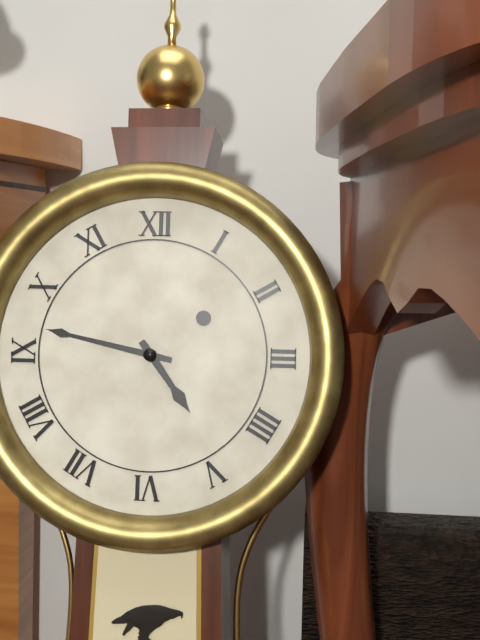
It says 4:47
